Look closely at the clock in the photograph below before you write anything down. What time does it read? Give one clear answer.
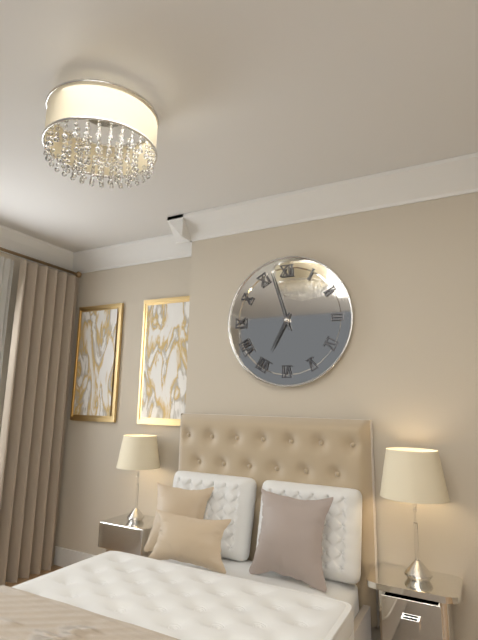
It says 6:57
